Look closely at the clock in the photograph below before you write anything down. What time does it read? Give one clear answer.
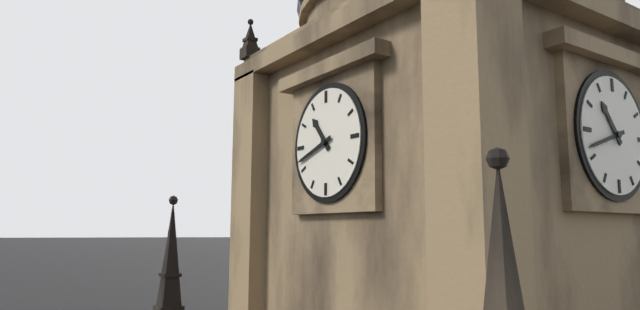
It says 10:42
